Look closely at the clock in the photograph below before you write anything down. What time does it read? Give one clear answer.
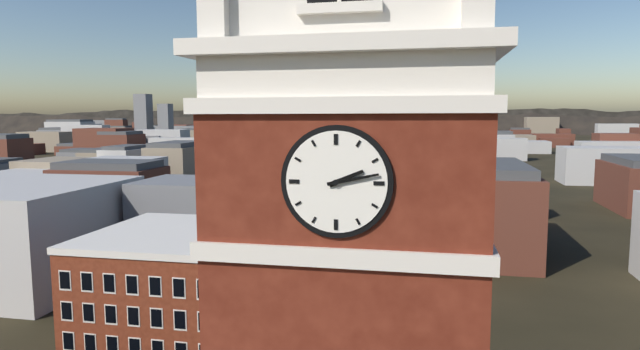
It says 2:13
